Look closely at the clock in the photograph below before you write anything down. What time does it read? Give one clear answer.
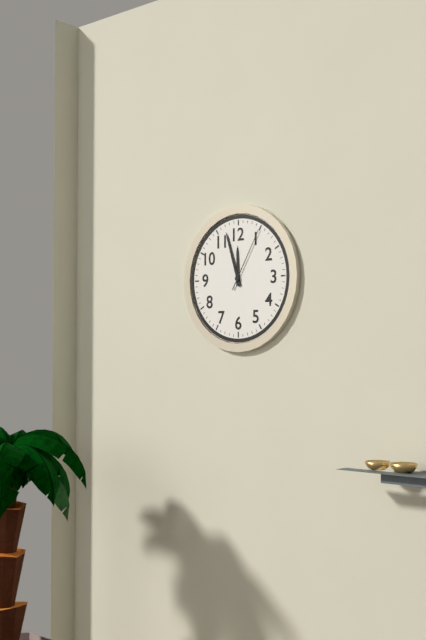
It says 11:57:05
